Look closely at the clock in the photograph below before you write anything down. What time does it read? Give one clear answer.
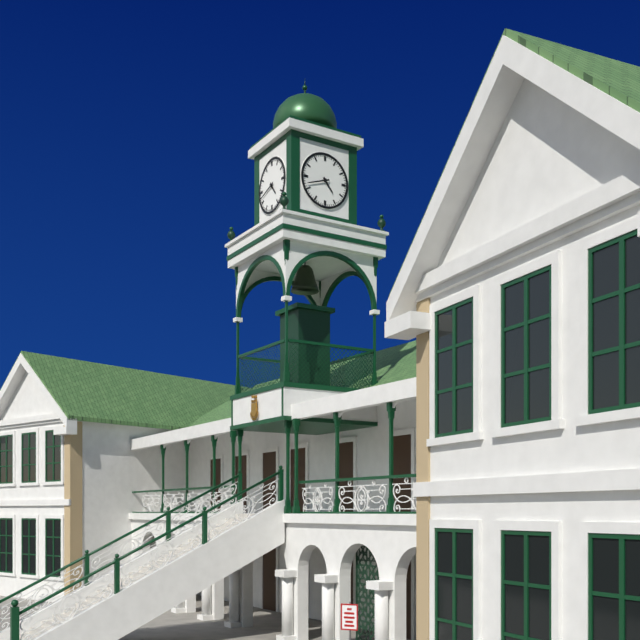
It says 4:42
